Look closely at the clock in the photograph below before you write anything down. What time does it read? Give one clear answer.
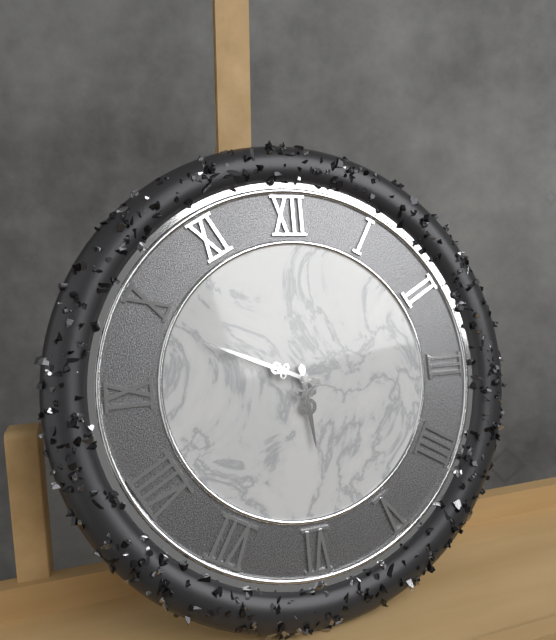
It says 5:49
